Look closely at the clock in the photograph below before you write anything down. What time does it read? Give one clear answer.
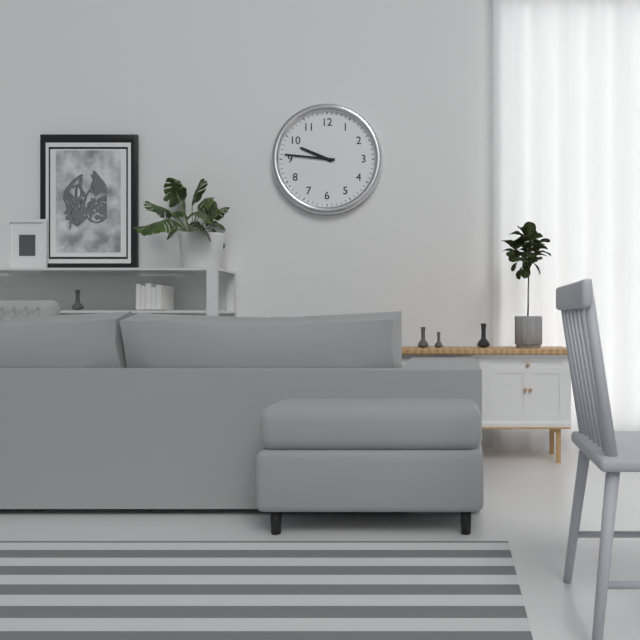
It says 9:46
